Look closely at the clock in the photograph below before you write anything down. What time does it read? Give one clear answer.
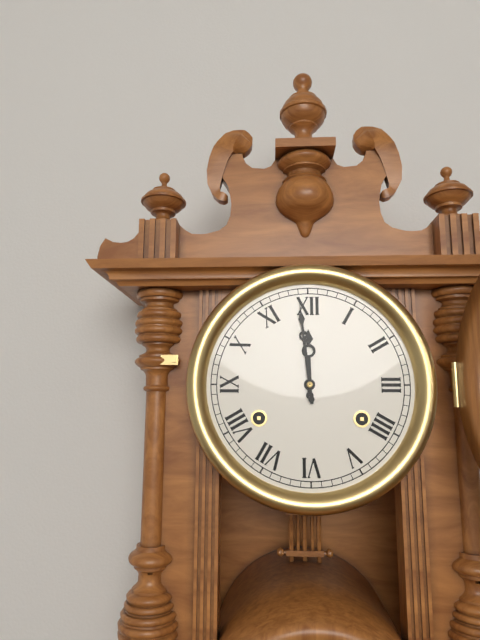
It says 11:59
